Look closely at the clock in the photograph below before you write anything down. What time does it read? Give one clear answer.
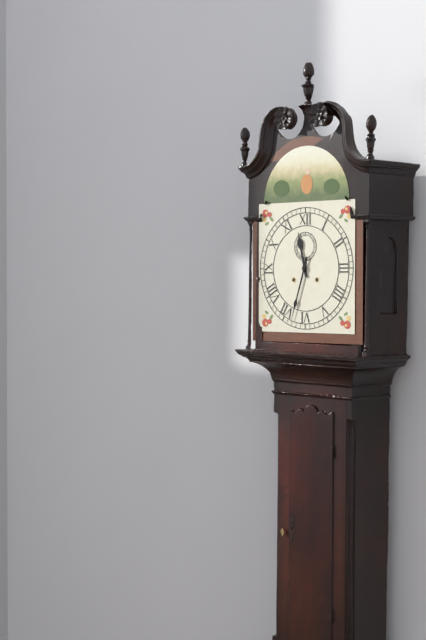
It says 11:33
